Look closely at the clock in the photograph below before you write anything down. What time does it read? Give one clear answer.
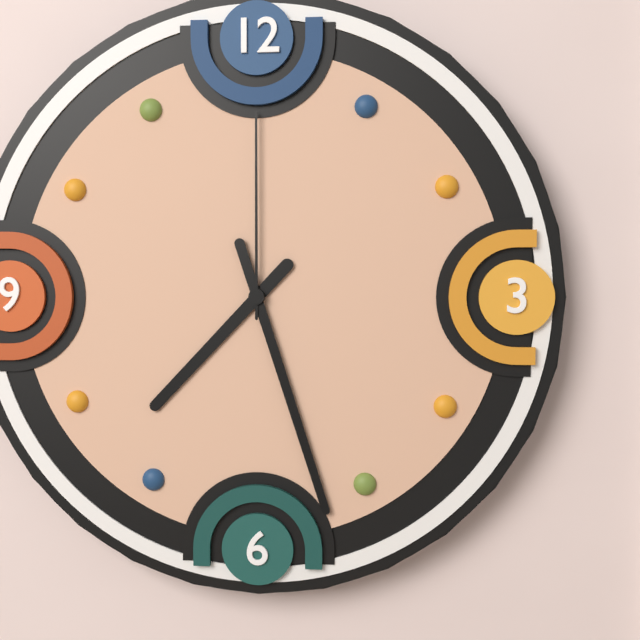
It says 7:27:00
